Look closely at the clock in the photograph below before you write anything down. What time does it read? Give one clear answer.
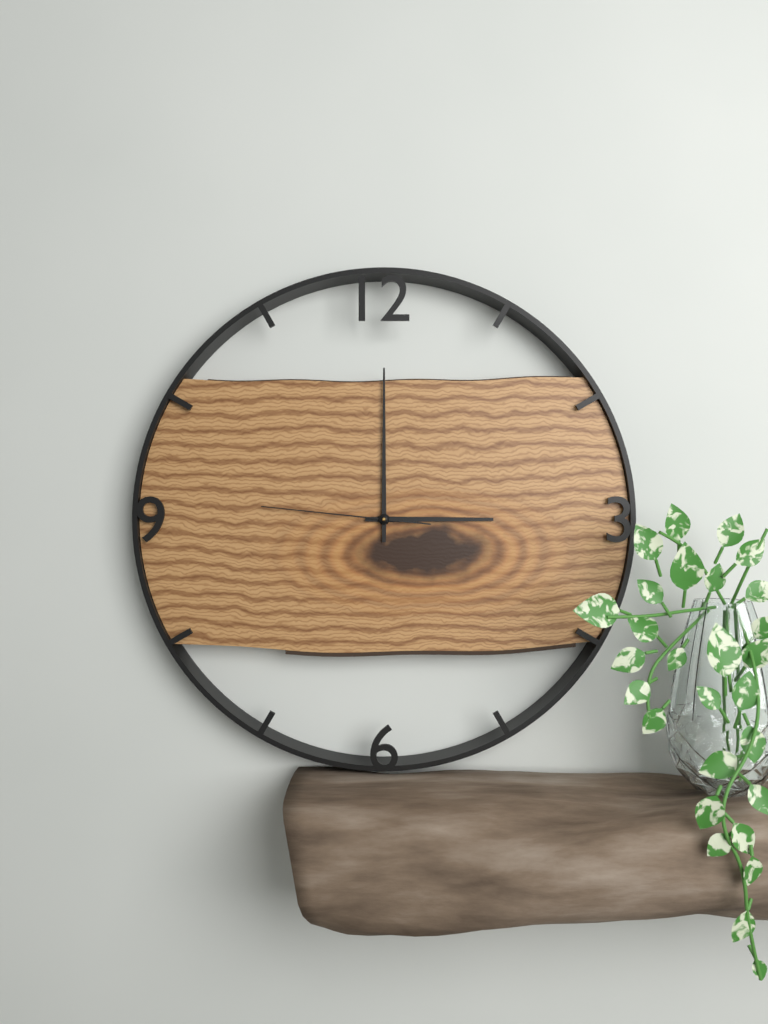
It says 3:00:46
